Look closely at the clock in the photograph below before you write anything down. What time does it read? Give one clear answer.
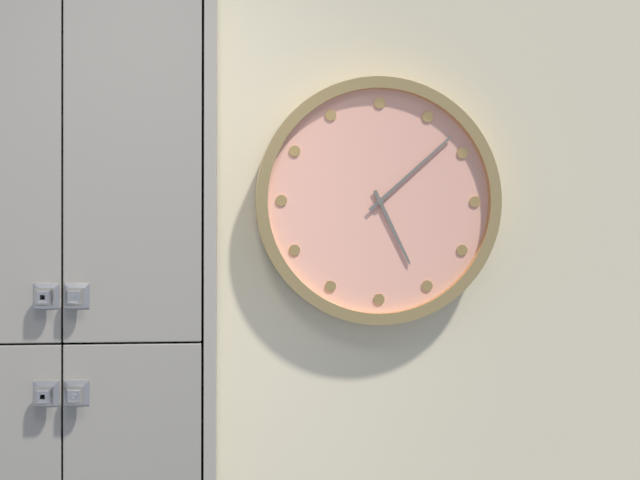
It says 5:08
